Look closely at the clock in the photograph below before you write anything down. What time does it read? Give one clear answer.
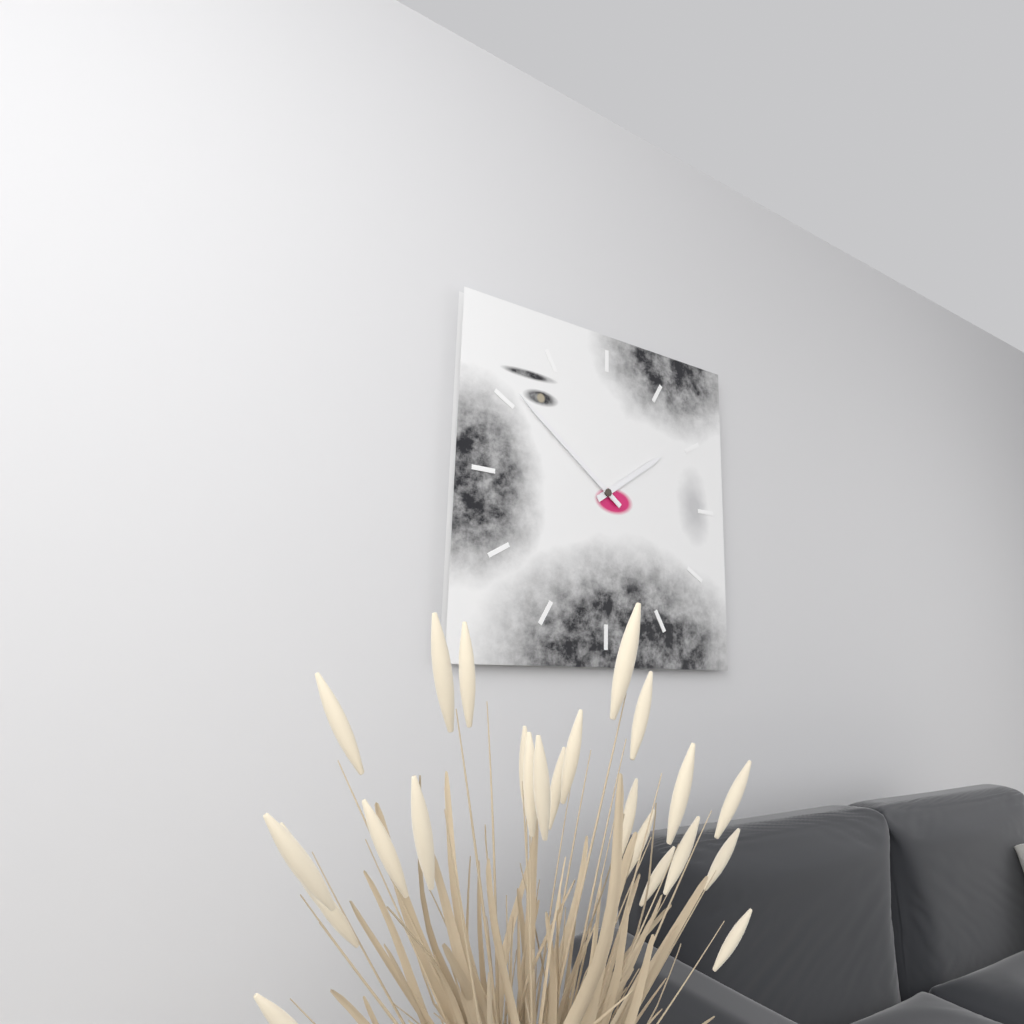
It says 1:51
